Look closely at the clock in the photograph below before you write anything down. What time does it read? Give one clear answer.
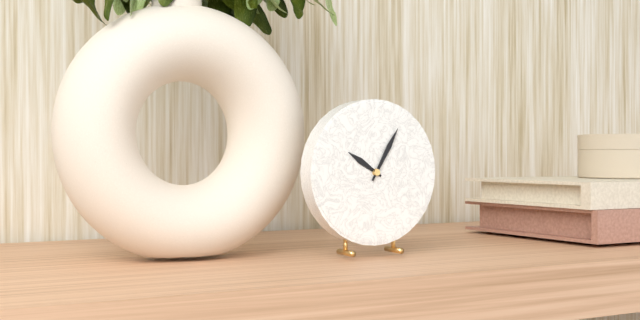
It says 10:05
